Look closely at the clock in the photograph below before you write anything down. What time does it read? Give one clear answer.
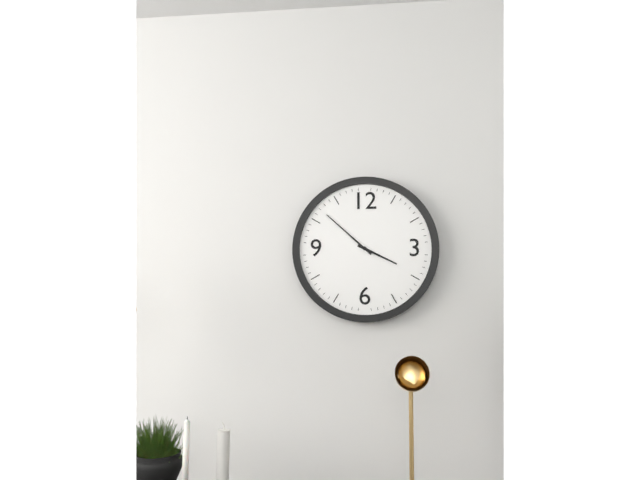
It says 3:52
